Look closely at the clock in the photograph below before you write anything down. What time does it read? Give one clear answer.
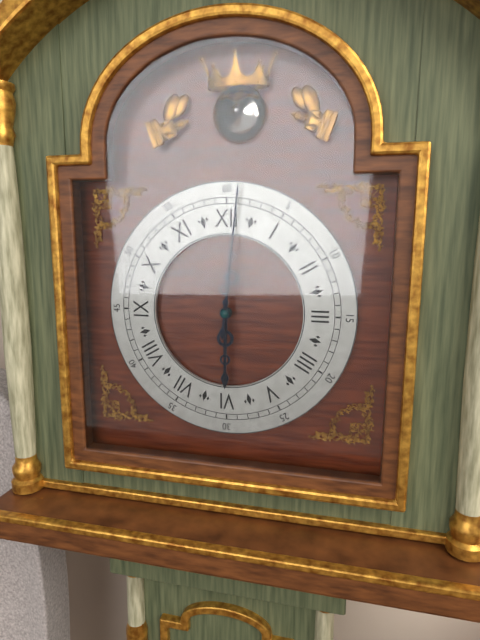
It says 6:01
